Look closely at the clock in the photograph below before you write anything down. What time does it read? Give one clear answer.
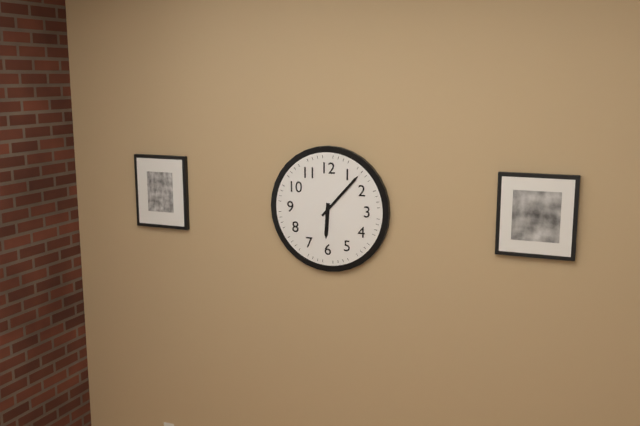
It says 6:07
